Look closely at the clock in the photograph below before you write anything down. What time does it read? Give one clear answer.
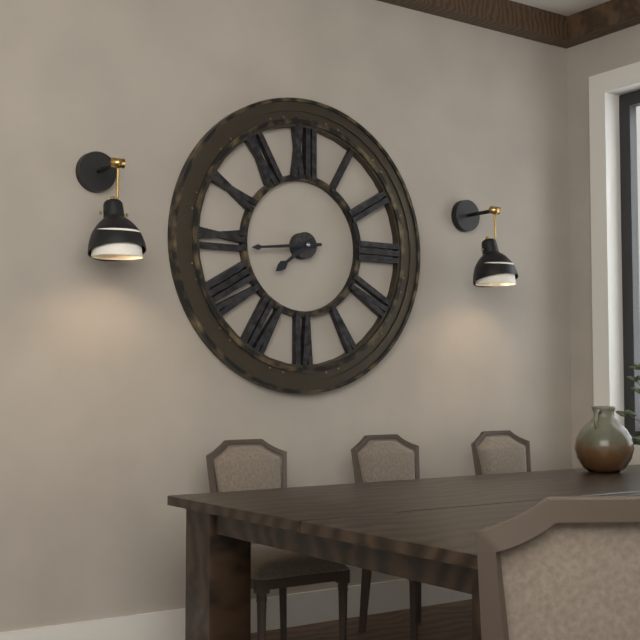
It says 7:44
